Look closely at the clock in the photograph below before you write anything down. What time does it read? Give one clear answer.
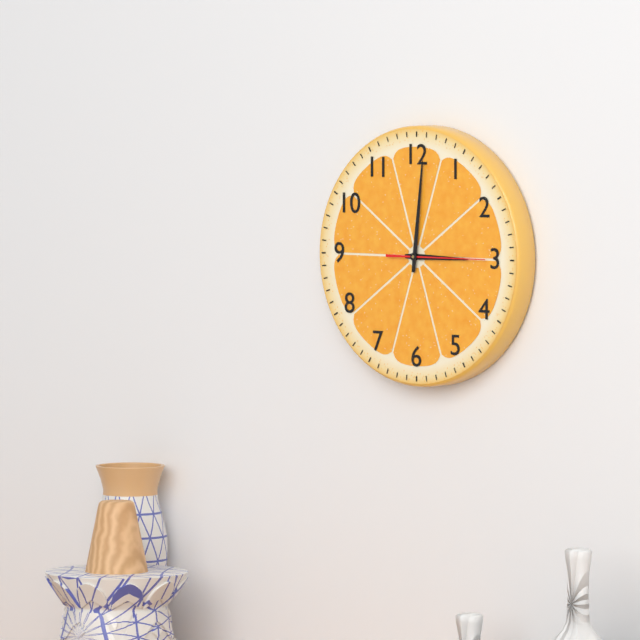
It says 3:01:15
